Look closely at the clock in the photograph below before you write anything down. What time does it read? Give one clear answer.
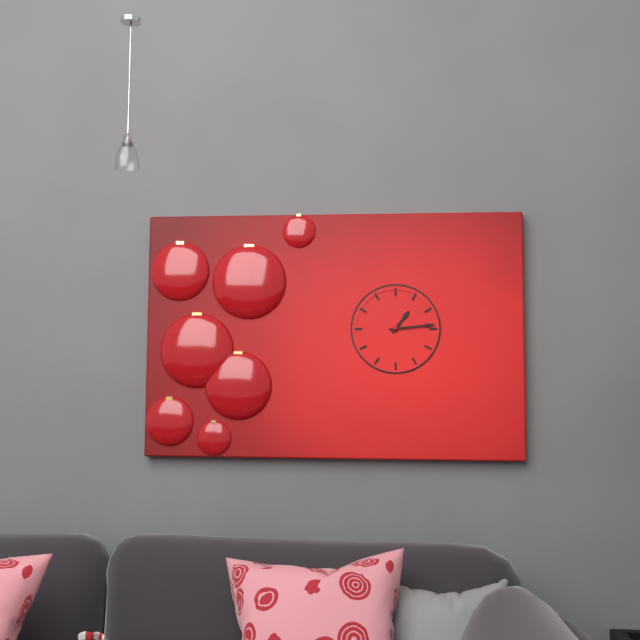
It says 1:14
